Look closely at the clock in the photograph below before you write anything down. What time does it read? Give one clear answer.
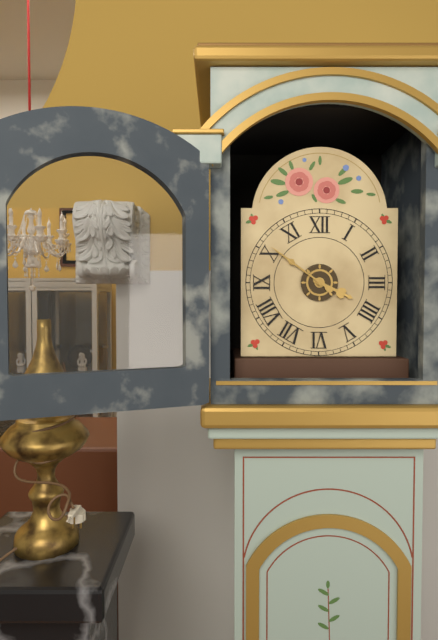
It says 3:51
